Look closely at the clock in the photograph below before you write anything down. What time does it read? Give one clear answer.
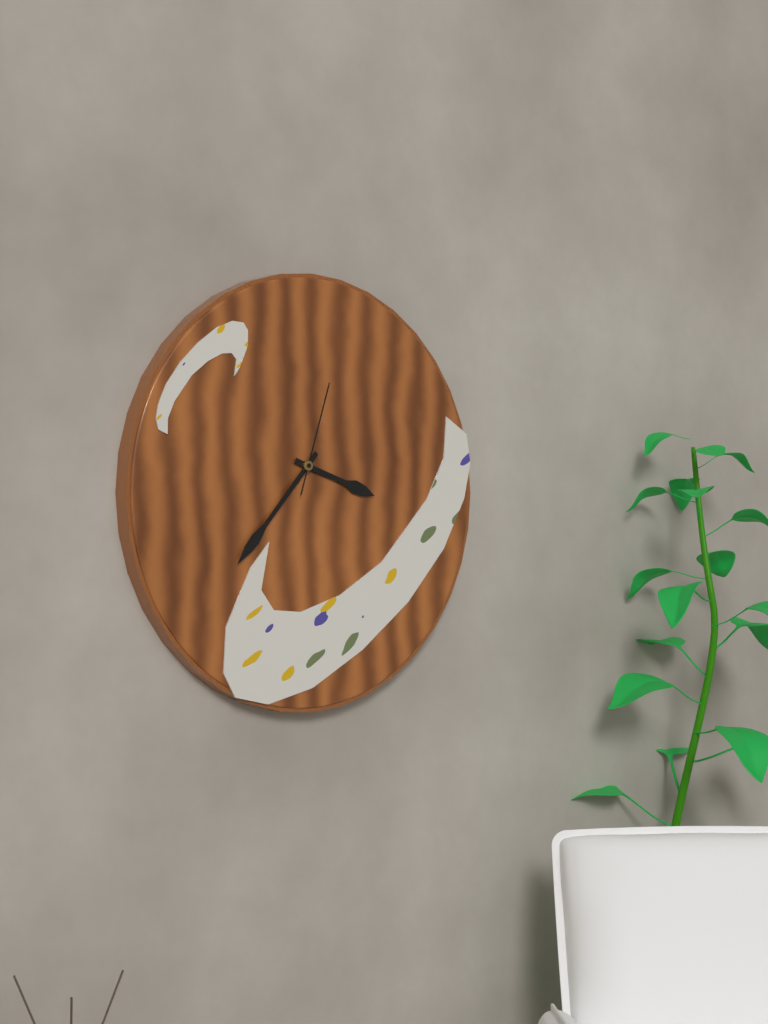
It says 3:37:03
